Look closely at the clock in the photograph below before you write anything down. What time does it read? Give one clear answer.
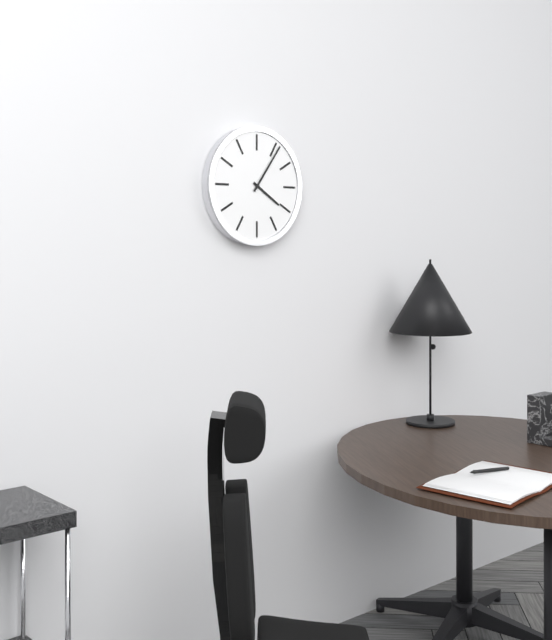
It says 4:06
